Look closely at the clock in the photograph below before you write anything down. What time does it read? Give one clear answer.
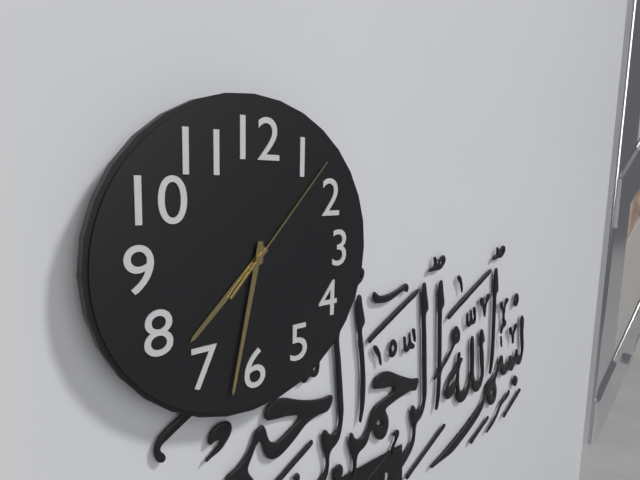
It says 7:32:07
